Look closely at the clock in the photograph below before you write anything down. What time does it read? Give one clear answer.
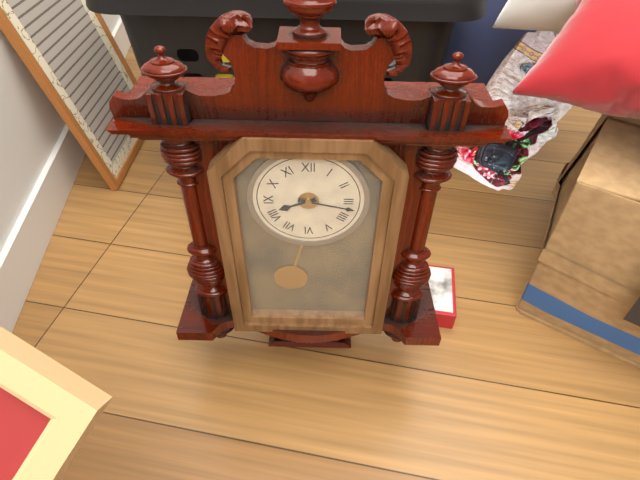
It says 8:17
